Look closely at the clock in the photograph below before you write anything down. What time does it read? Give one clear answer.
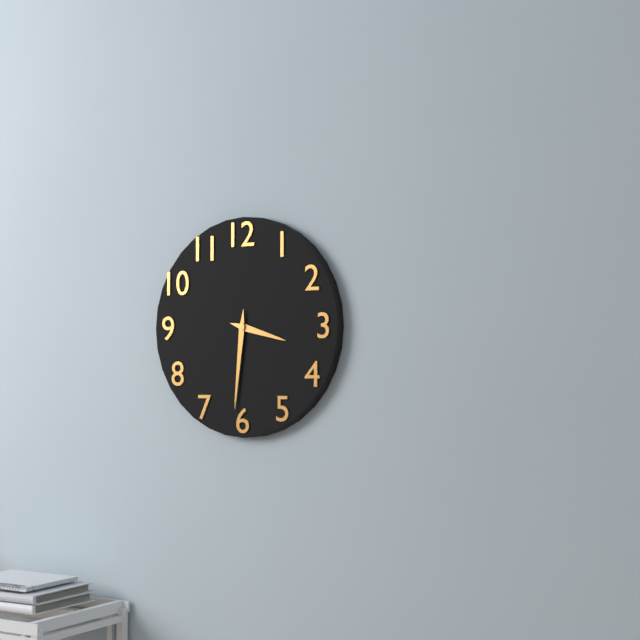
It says 3:31
